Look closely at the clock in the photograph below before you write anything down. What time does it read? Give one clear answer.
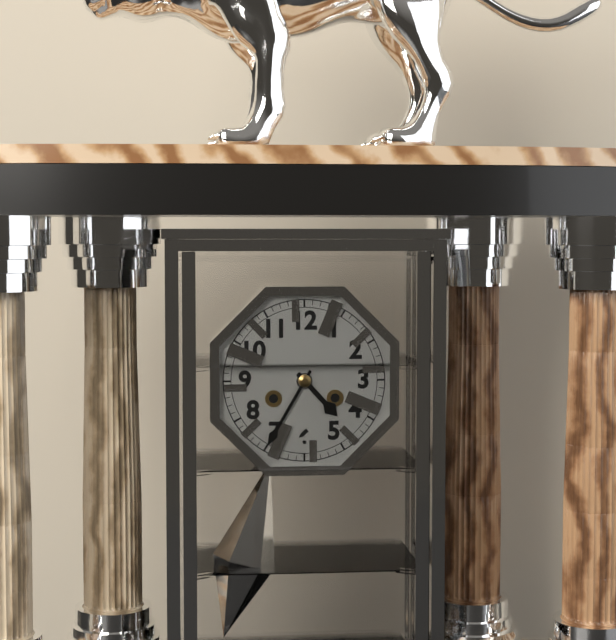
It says 4:35
